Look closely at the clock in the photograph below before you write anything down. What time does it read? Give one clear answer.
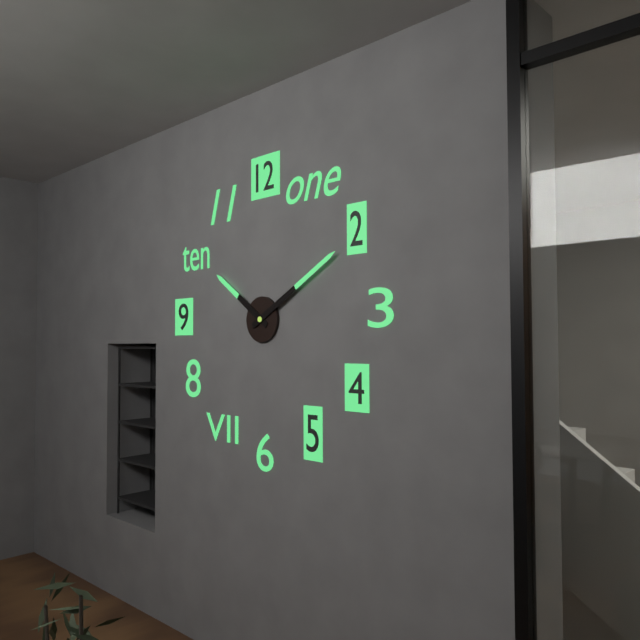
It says 10:10
